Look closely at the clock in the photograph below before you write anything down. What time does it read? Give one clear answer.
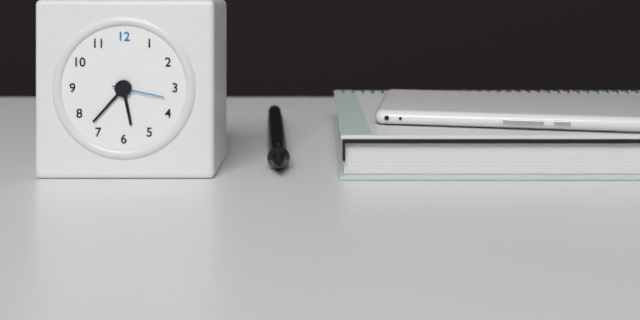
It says 5:37:17
